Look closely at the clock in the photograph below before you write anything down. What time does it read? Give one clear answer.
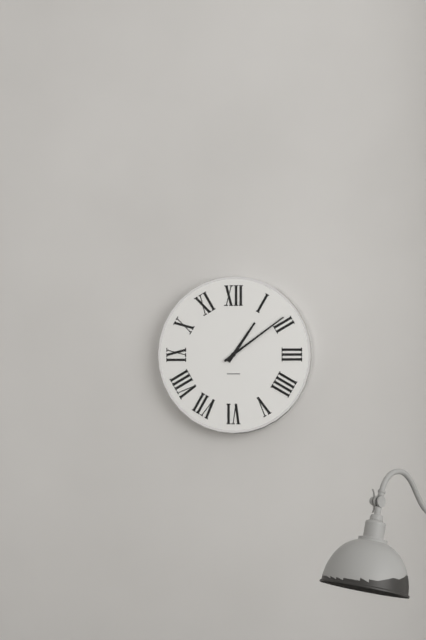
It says 1:09
